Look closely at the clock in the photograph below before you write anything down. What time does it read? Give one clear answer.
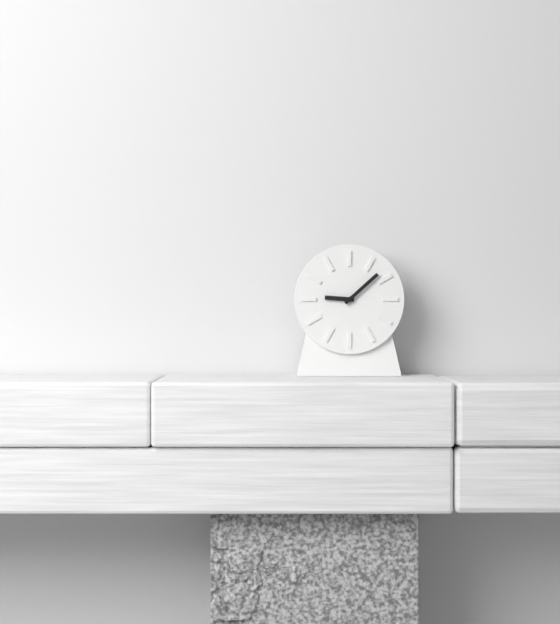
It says 9:08
